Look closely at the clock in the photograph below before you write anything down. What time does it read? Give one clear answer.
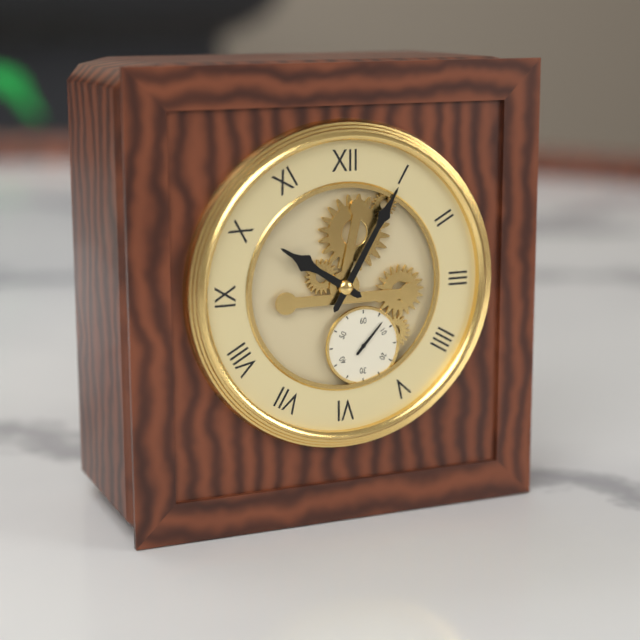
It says 10:05
